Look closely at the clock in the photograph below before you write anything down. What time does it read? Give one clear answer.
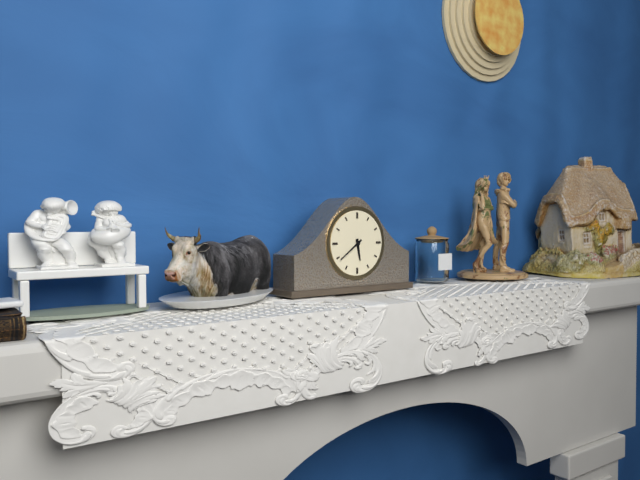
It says 5:39
